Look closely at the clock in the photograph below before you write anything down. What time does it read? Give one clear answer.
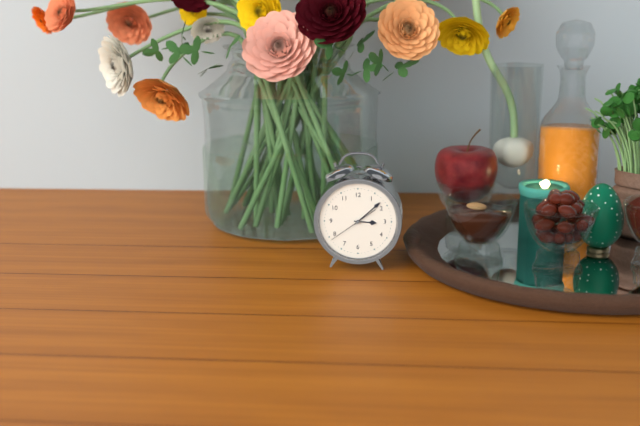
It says 3:08
